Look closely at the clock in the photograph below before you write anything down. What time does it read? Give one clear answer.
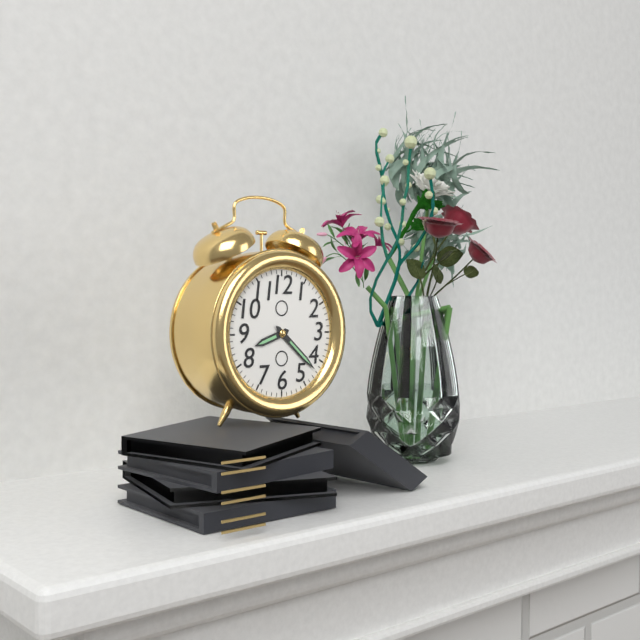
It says 8:22
